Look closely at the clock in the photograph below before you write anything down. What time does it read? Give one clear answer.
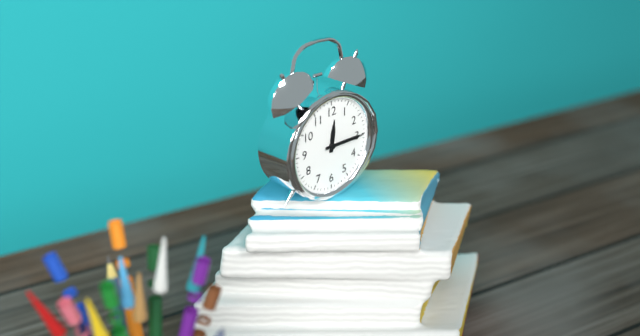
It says 12:15
